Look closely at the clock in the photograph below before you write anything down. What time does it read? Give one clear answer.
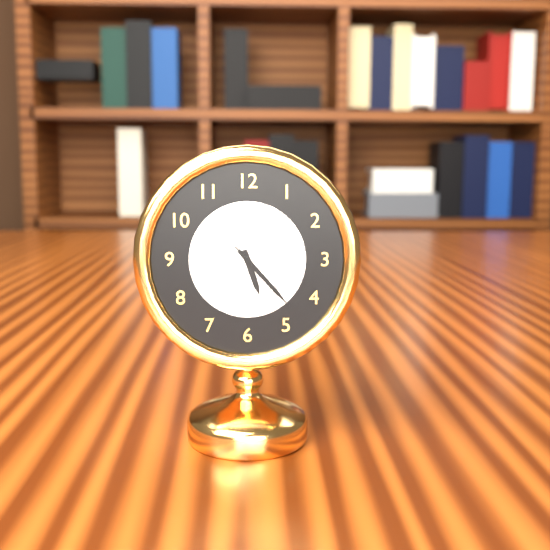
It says 5:23:23
